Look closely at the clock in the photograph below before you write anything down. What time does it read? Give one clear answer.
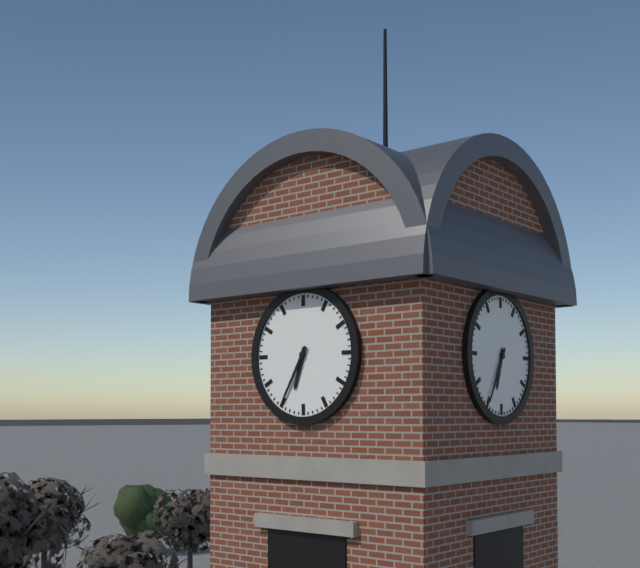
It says 6:35
